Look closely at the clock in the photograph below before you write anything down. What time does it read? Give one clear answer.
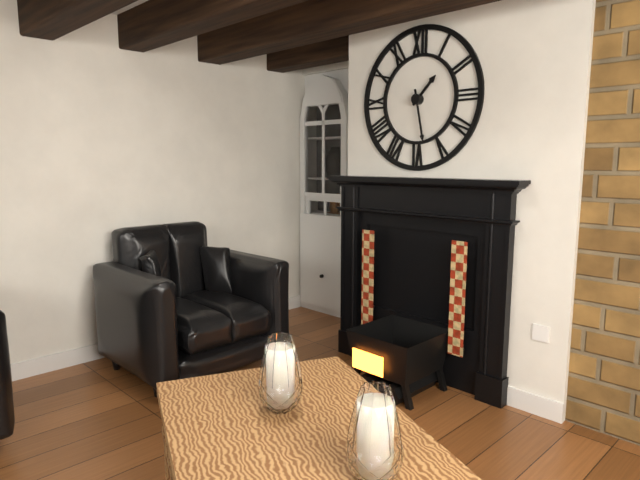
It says 1:28
